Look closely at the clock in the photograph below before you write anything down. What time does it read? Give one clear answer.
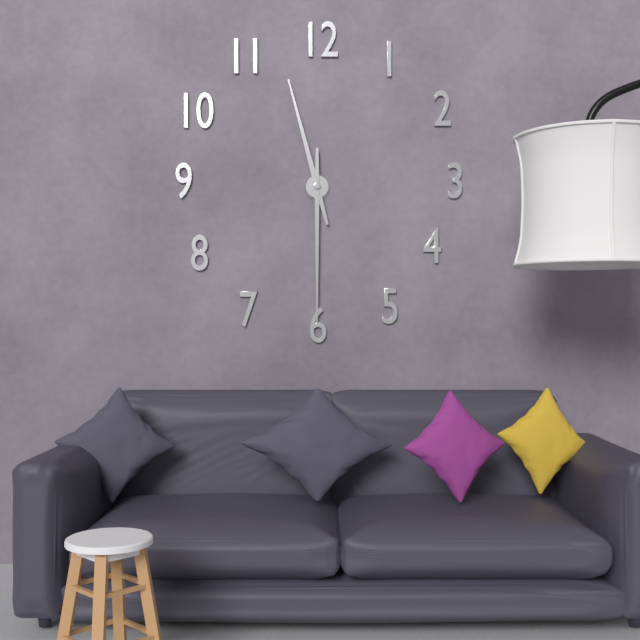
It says 11:30
